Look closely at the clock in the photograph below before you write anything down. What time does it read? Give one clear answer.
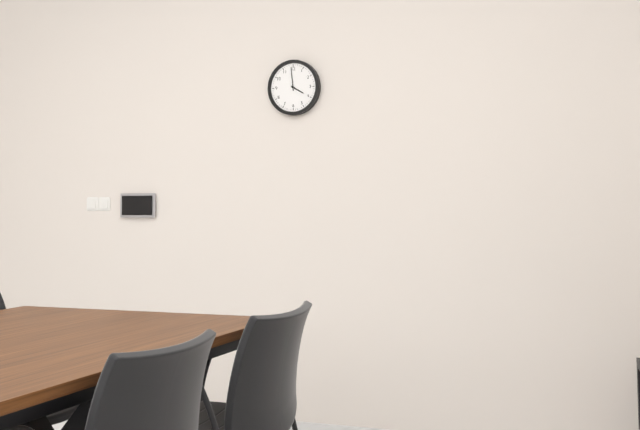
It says 3:59
